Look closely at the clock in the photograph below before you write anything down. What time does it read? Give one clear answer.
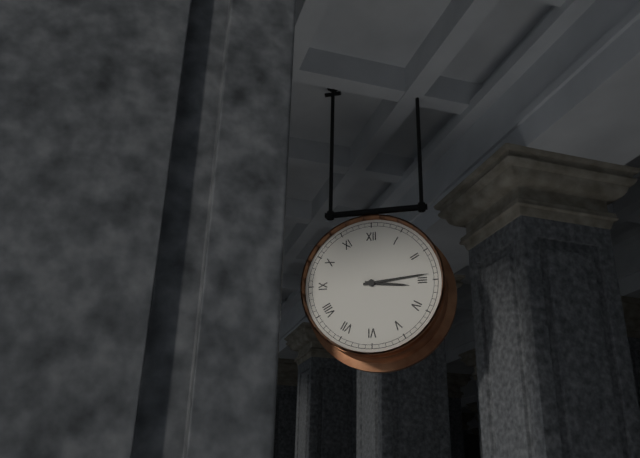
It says 3:14
